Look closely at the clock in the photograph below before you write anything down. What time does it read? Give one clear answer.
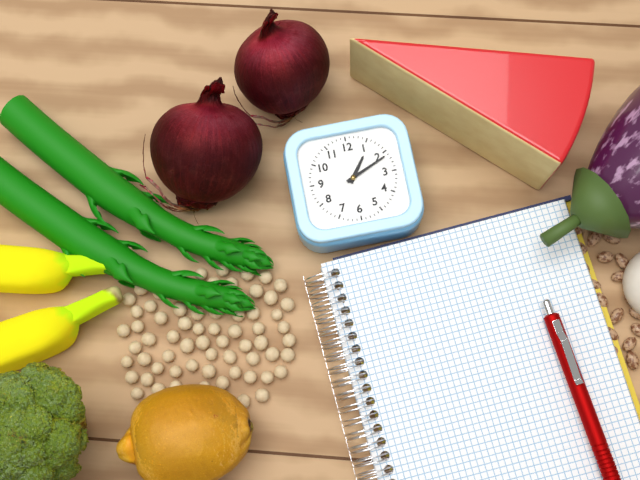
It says 1:11
